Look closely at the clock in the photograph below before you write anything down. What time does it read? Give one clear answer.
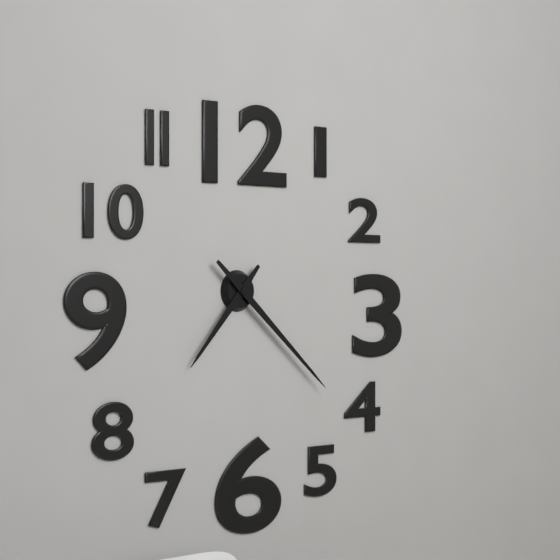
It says 7:22
